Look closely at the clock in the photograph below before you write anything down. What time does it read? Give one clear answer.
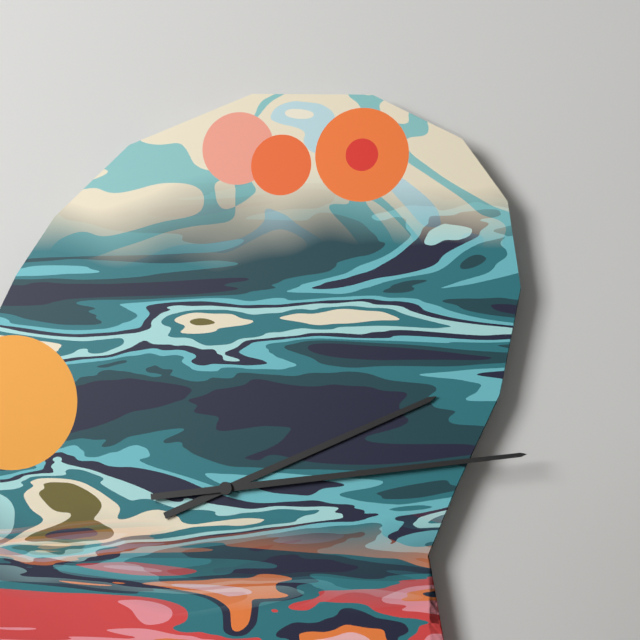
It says 2:14
